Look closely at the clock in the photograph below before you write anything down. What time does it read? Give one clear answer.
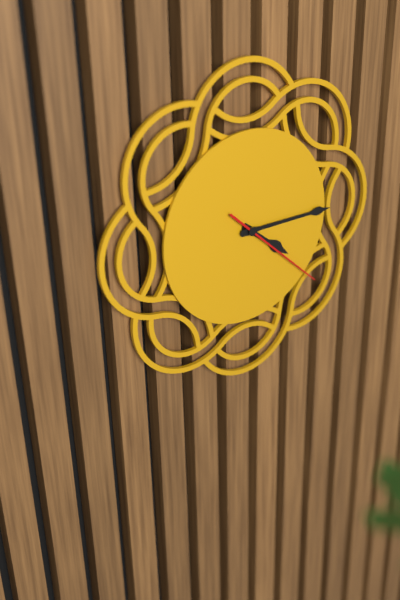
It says 4:15:22
